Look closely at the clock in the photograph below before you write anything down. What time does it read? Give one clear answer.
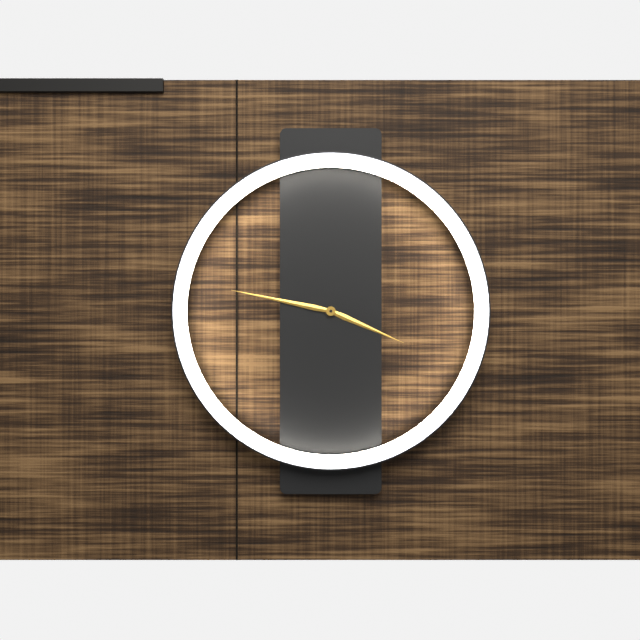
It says 3:47
